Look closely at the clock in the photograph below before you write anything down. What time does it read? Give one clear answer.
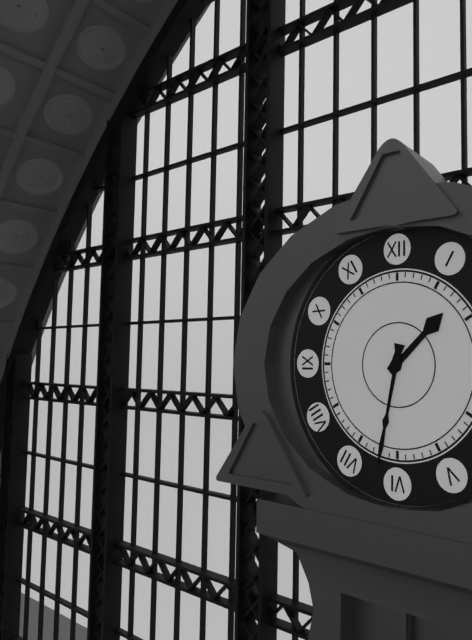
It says 1:32
